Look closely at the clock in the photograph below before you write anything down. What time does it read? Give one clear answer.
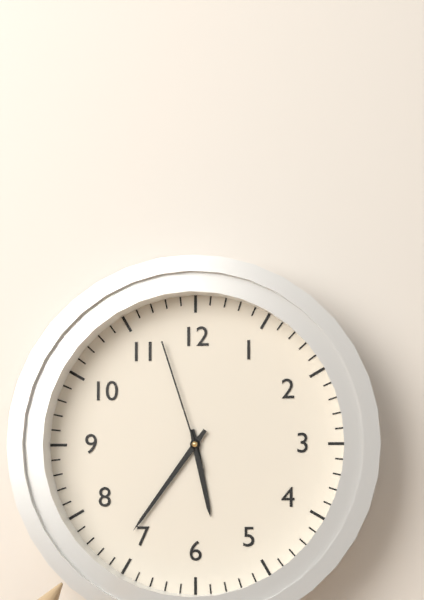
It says 5:36:57
